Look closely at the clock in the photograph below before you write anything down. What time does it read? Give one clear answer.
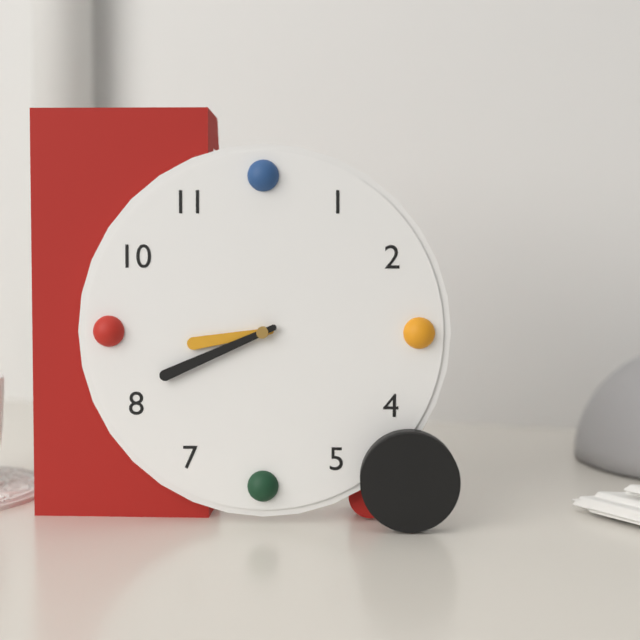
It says 8:41
